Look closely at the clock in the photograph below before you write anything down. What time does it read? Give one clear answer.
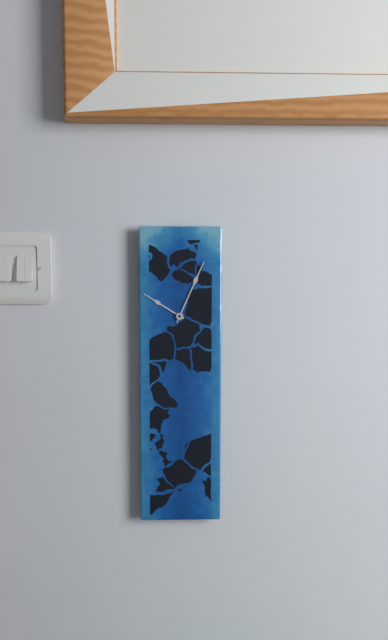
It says 10:04
